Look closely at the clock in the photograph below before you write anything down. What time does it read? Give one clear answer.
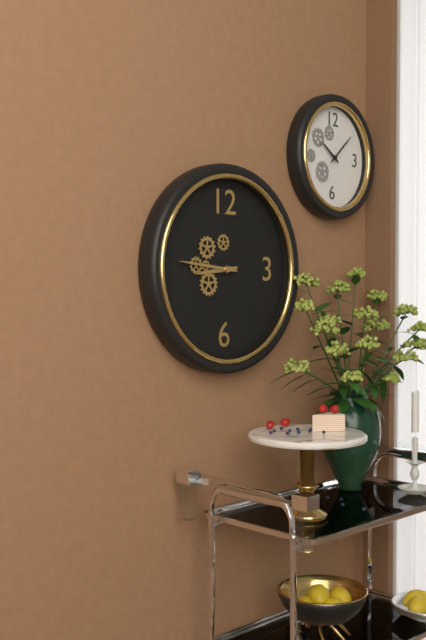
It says 8:46
